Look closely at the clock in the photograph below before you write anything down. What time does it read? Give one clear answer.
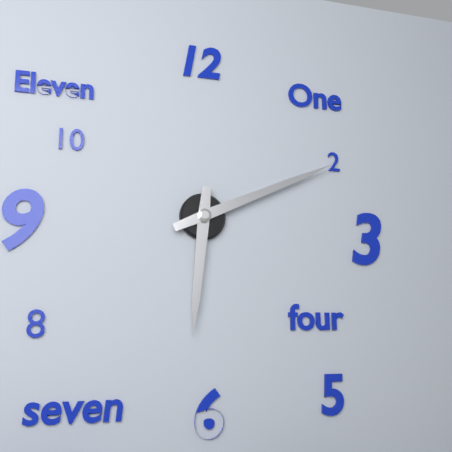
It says 6:11
